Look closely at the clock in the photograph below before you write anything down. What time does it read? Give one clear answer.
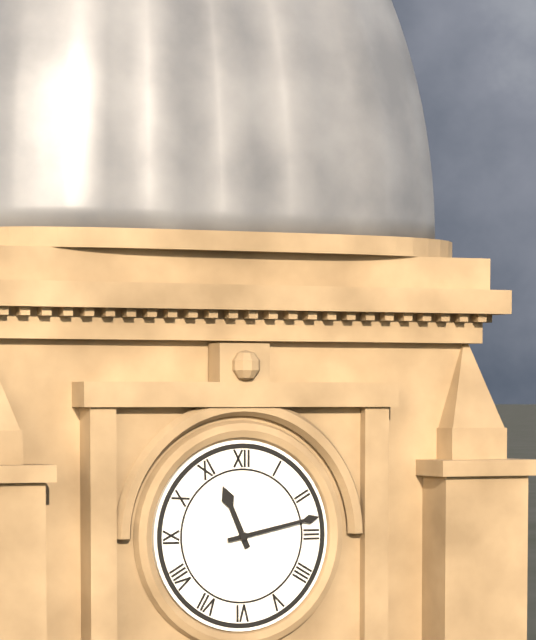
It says 11:13
